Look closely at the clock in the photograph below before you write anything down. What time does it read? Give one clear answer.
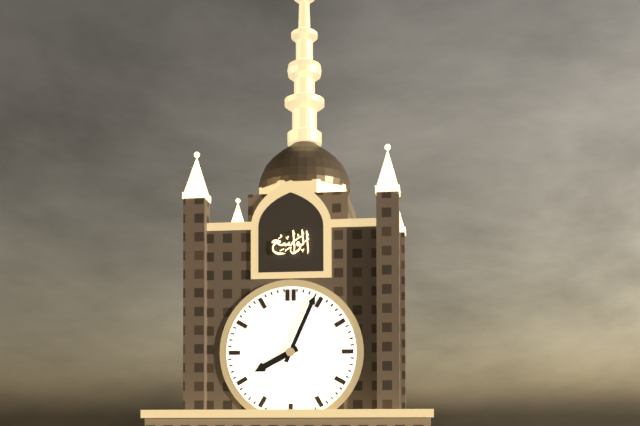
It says 8:04
